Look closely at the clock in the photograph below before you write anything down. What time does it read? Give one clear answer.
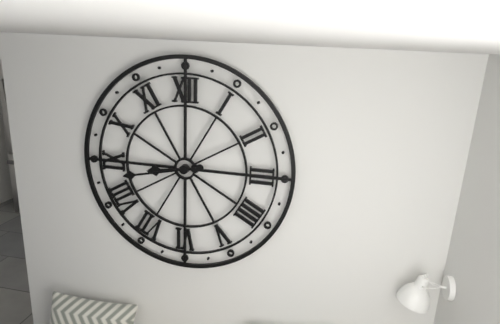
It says 8:43
